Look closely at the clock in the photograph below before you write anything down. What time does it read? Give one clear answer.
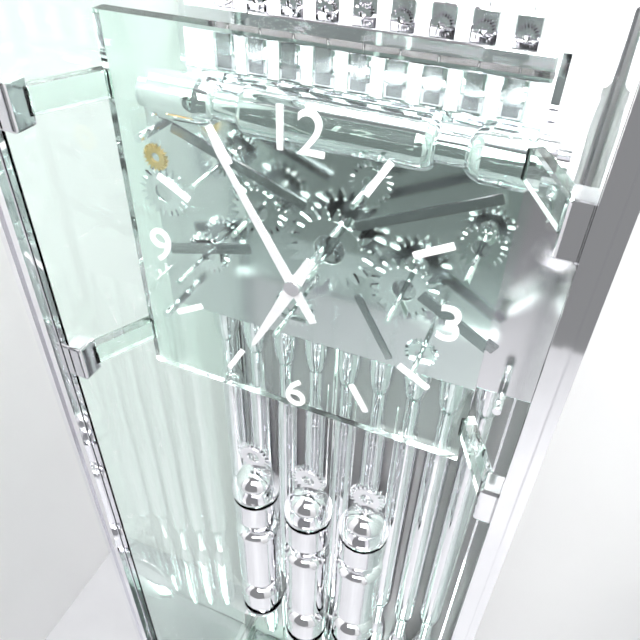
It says 6:55
